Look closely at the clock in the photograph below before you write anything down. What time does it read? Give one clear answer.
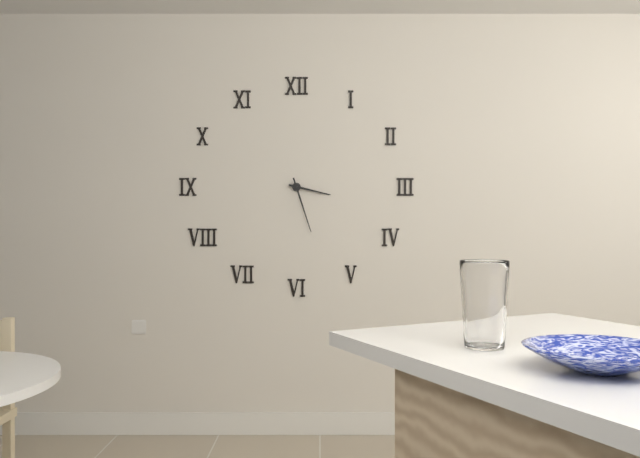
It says 3:27
